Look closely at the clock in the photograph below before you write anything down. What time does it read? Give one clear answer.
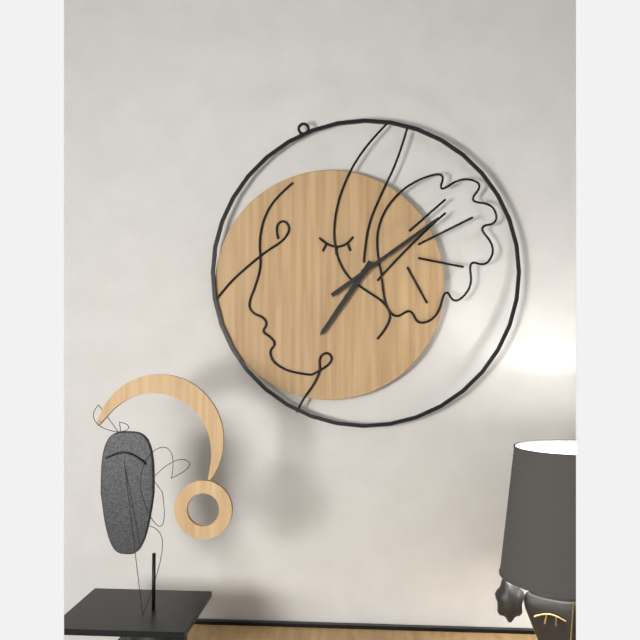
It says 7:09
